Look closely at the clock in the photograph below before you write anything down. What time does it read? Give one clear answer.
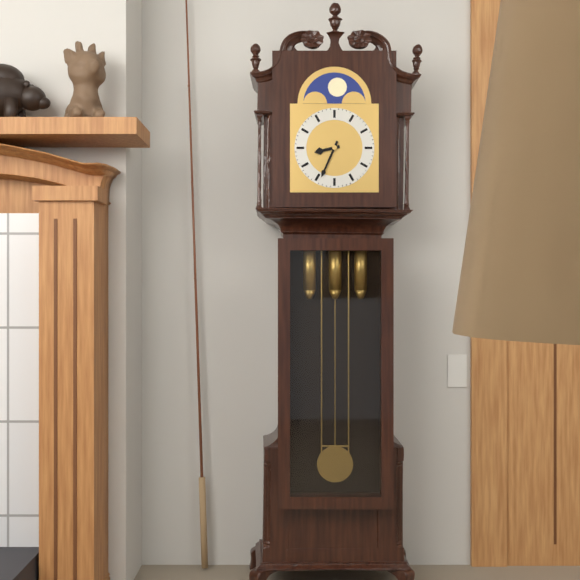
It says 8:34
